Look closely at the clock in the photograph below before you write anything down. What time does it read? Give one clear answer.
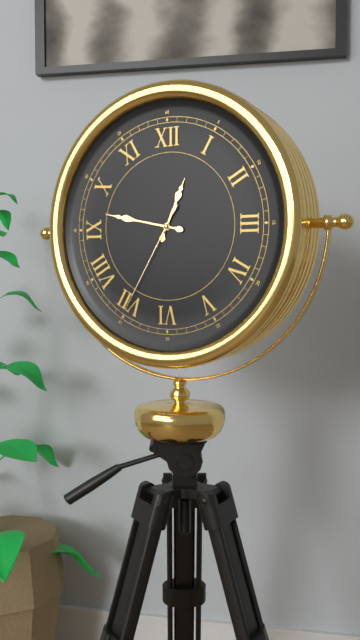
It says 12:47:35
